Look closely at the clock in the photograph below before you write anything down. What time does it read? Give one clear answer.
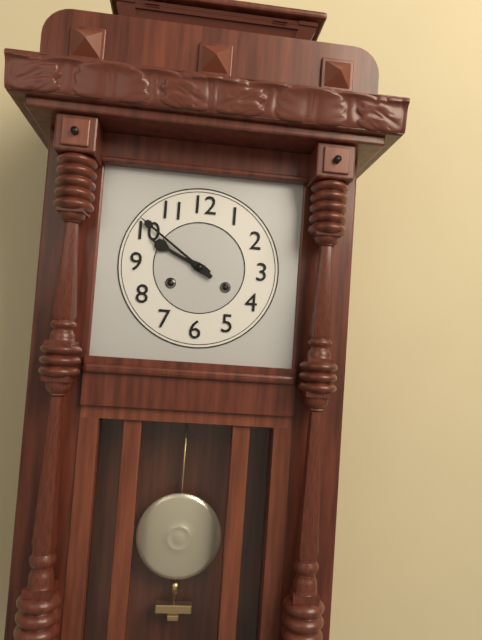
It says 9:51
